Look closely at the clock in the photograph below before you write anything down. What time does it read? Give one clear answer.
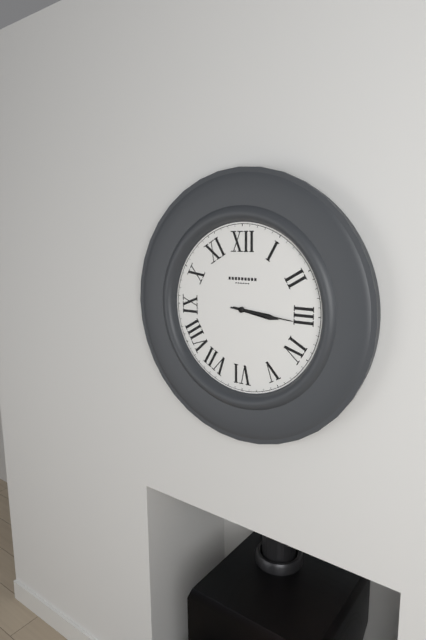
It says 3:16
